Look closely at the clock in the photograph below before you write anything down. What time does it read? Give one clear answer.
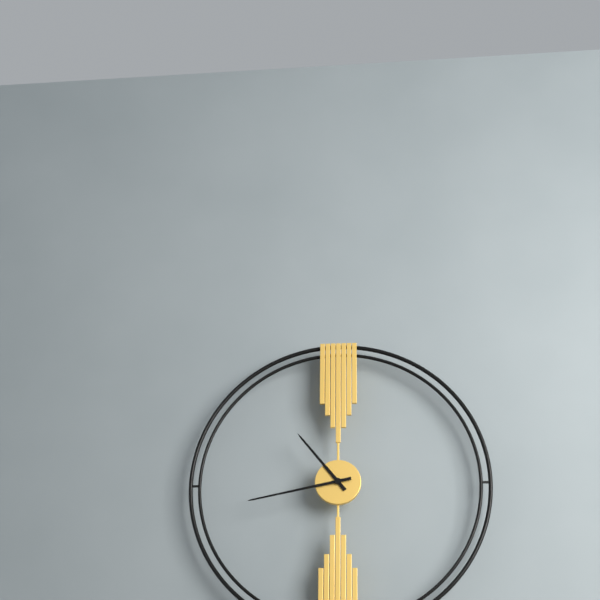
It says 10:43
